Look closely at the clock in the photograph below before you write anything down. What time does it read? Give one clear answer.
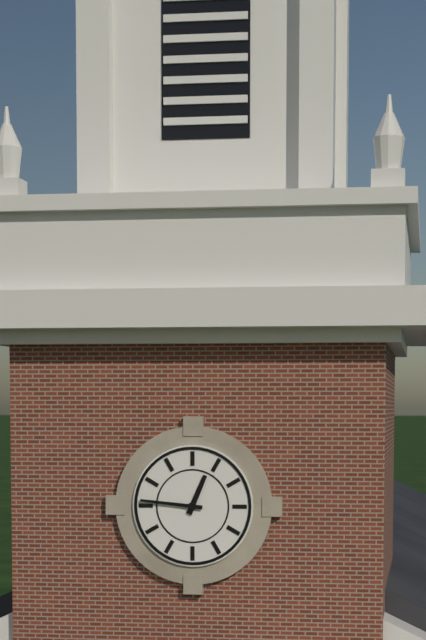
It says 12:46
